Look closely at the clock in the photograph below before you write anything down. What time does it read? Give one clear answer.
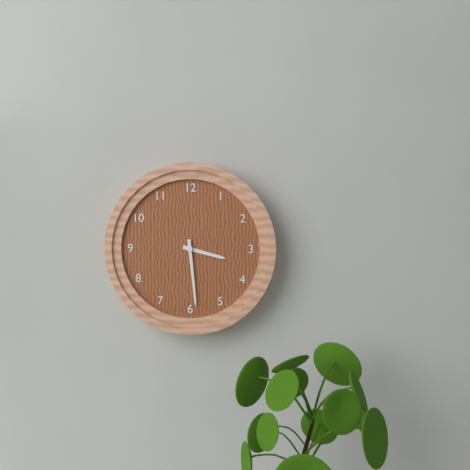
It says 3:29
